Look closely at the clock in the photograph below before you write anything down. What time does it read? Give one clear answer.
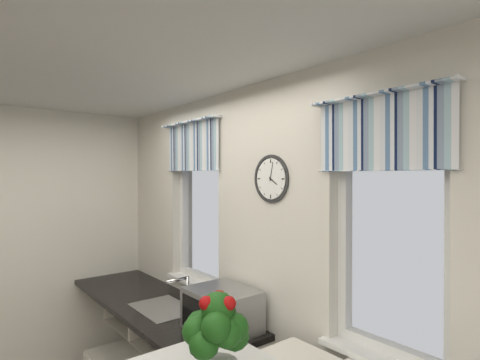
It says 4:02
